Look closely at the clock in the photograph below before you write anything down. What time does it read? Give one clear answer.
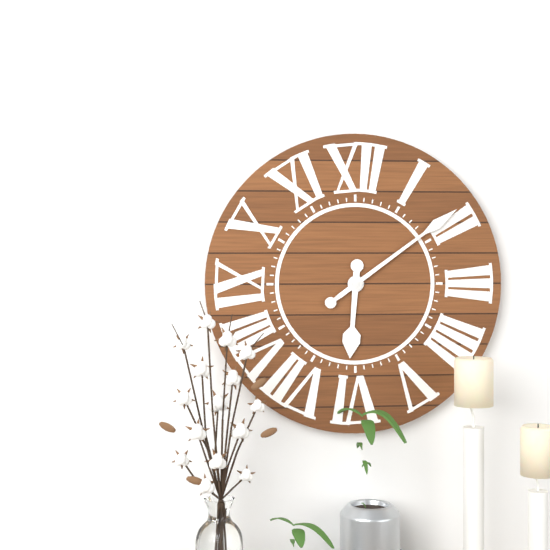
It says 6:09
